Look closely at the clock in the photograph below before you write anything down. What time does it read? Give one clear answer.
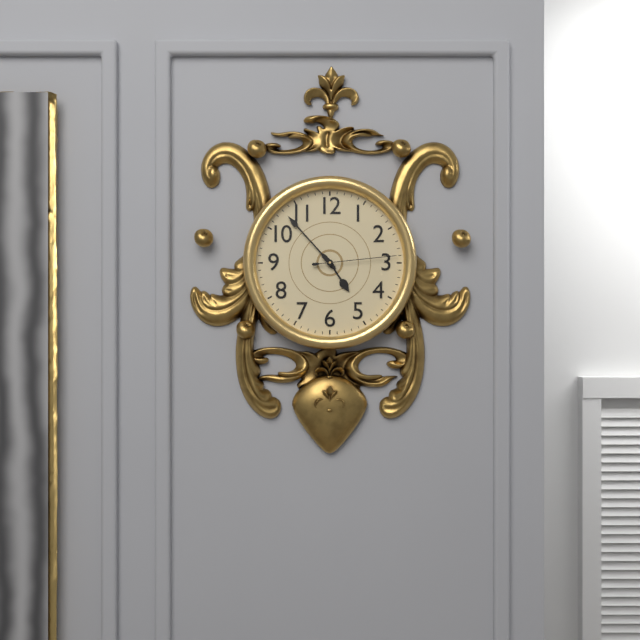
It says 4:53:14
